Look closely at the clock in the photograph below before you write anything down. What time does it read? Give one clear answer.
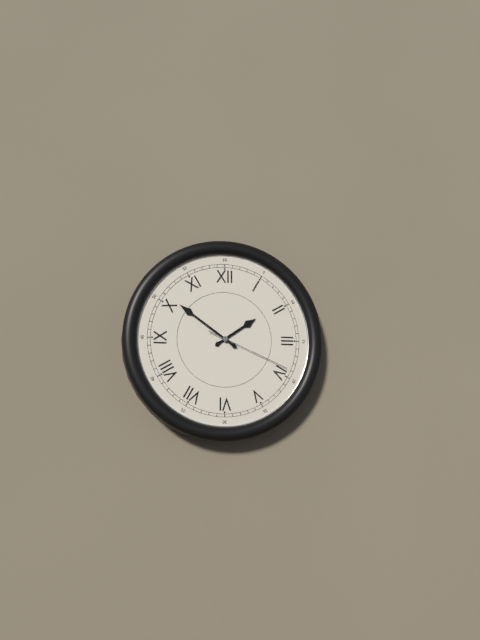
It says 1:51:19
